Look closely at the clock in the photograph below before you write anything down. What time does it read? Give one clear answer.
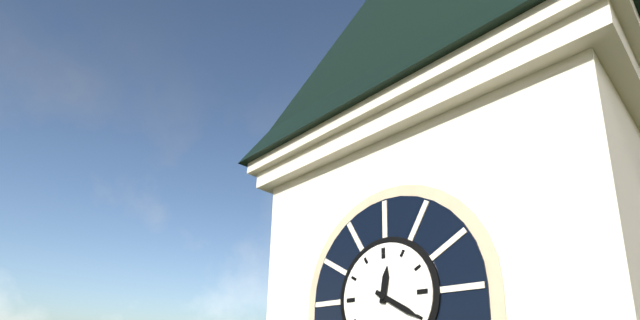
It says 12:20
